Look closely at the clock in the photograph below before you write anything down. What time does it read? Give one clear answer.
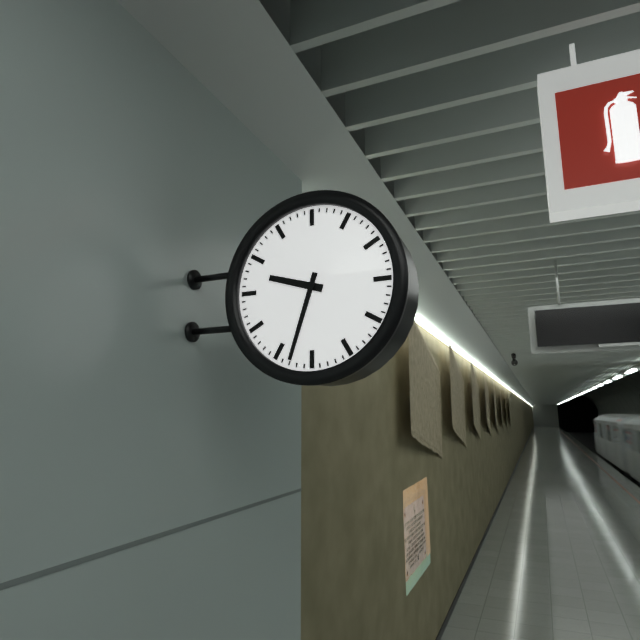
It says 9:33
